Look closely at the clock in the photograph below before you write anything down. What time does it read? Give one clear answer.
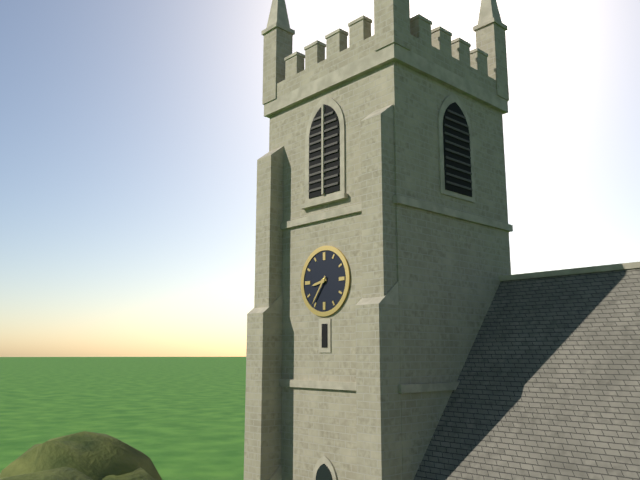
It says 8:36
